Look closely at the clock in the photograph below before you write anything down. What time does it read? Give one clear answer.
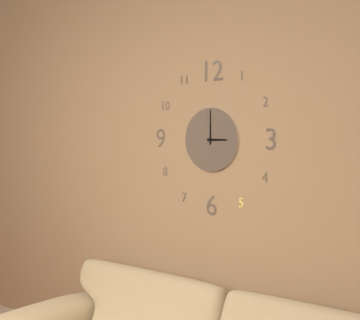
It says 3:00
